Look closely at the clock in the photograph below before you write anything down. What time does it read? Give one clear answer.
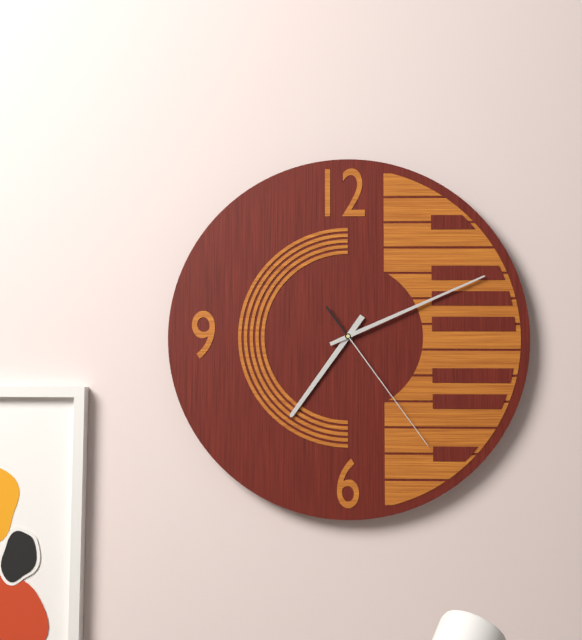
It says 7:11:24
